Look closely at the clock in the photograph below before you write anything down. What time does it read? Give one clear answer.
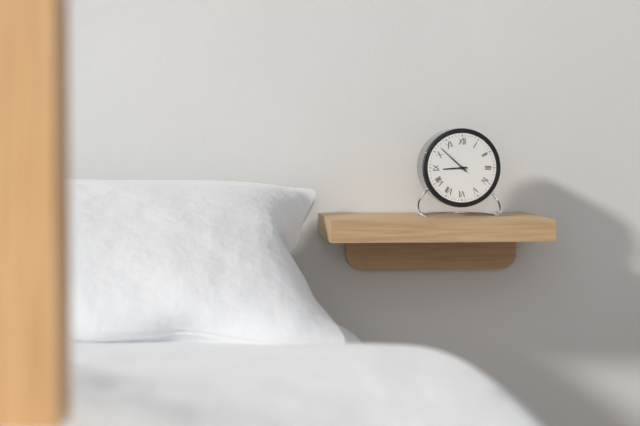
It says 8:52
